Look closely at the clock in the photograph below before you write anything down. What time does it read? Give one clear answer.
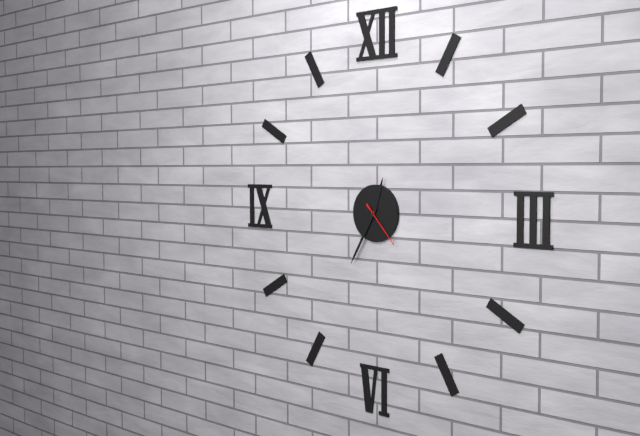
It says 12:35
